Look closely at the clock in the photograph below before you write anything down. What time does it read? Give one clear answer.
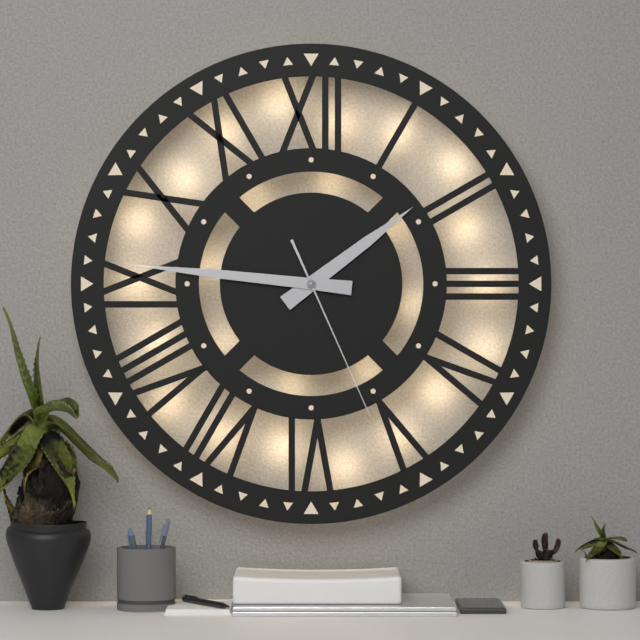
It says 1:46:26
